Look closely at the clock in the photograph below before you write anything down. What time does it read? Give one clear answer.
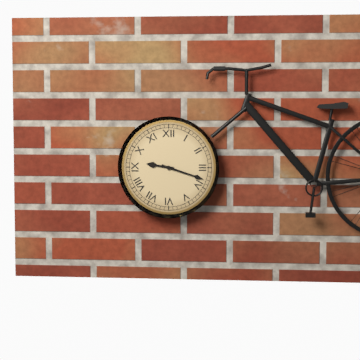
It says 9:18
